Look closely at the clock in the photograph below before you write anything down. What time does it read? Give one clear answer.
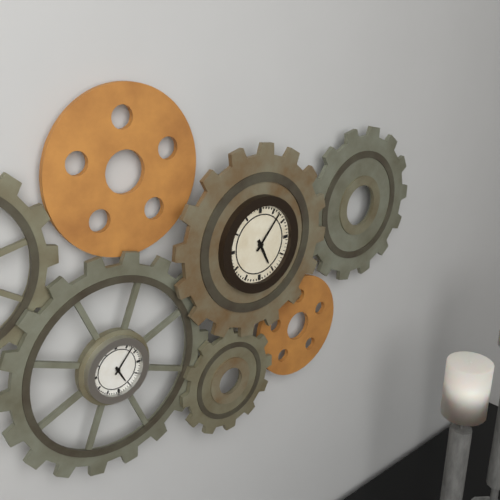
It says 5:07
